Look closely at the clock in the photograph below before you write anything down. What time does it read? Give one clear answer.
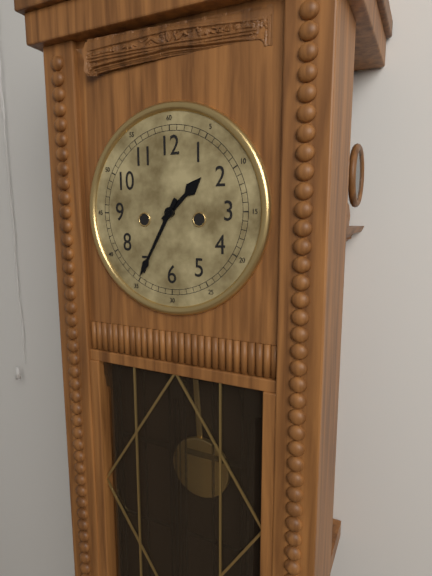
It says 1:35
